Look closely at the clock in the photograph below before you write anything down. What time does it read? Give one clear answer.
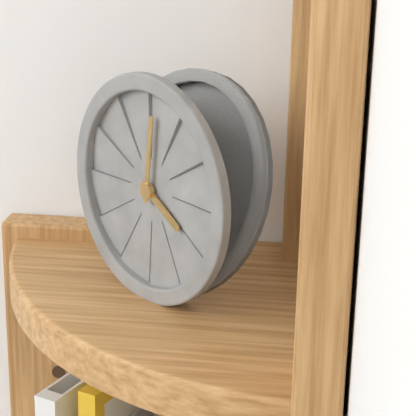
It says 4:01
